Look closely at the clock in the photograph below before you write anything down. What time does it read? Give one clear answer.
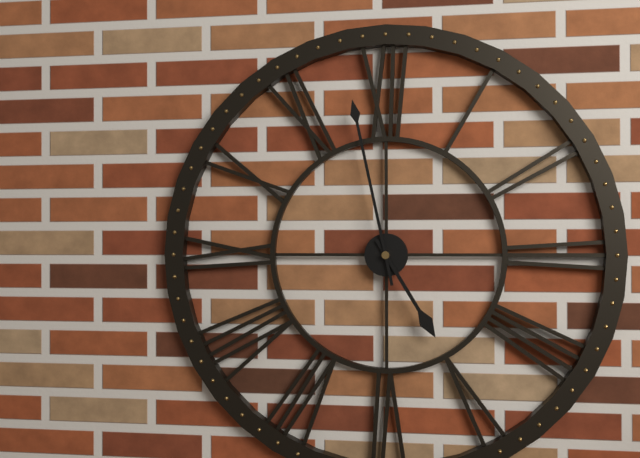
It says 4:58
